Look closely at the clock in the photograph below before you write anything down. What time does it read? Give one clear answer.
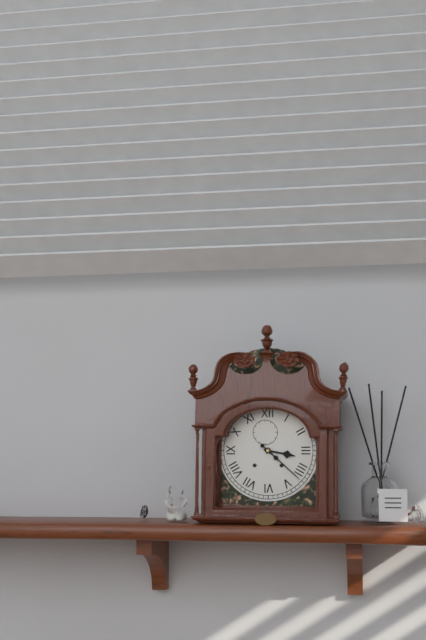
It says 3:22
